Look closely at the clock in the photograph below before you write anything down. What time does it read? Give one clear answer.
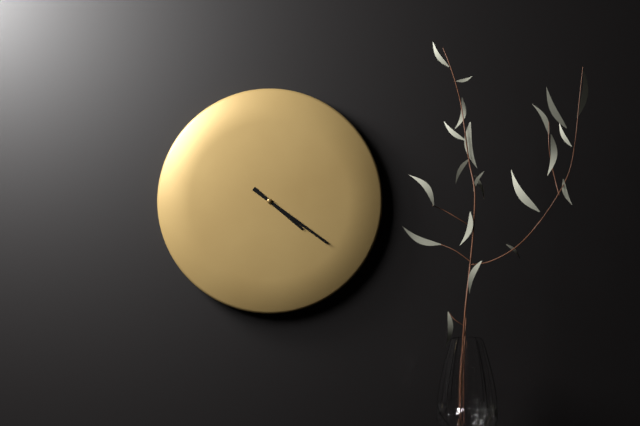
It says 4:21
